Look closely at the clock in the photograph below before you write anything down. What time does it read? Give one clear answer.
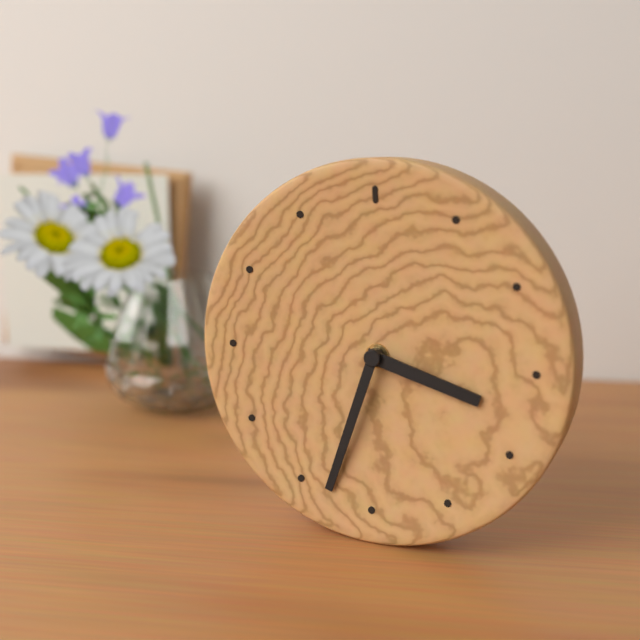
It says 3:33
